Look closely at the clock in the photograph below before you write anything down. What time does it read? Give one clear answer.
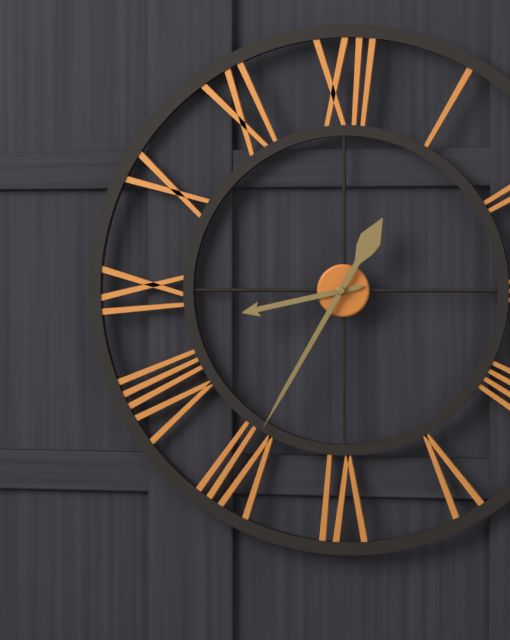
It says 8:35
